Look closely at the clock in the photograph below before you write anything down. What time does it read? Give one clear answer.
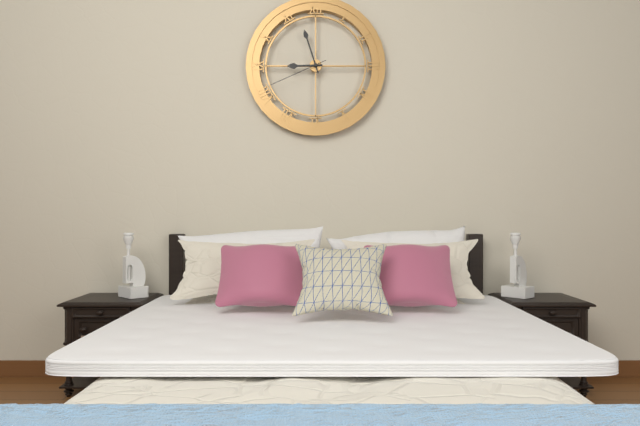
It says 8:57:41
